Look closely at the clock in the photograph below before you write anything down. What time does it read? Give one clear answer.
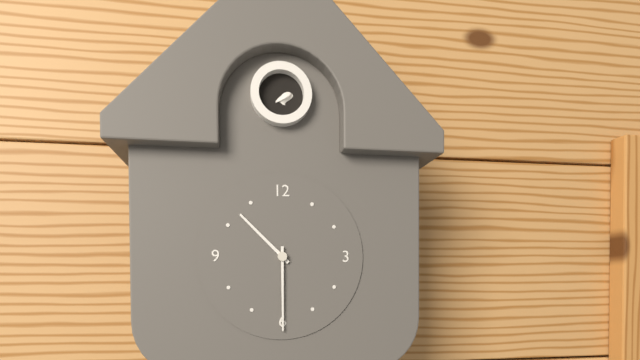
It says 10:30
